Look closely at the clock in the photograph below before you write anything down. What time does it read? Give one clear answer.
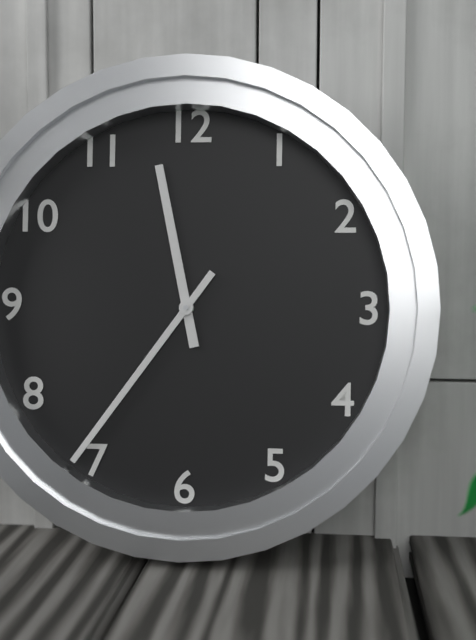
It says 11:36
